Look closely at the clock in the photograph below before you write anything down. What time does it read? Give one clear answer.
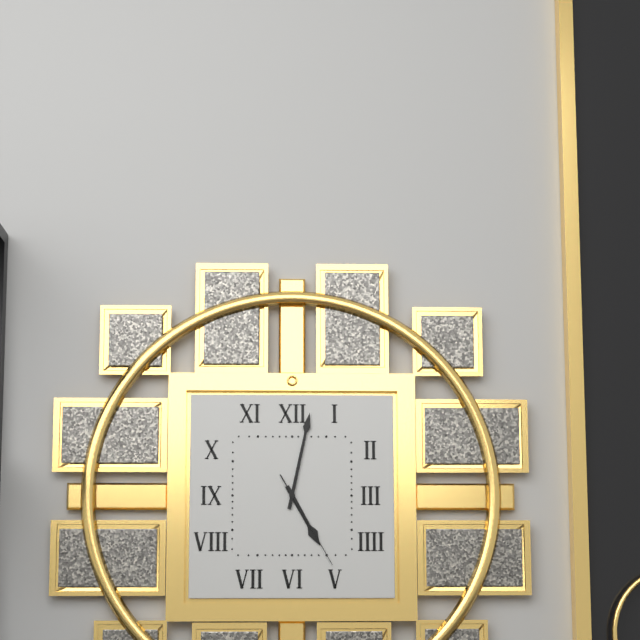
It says 5:02:25
